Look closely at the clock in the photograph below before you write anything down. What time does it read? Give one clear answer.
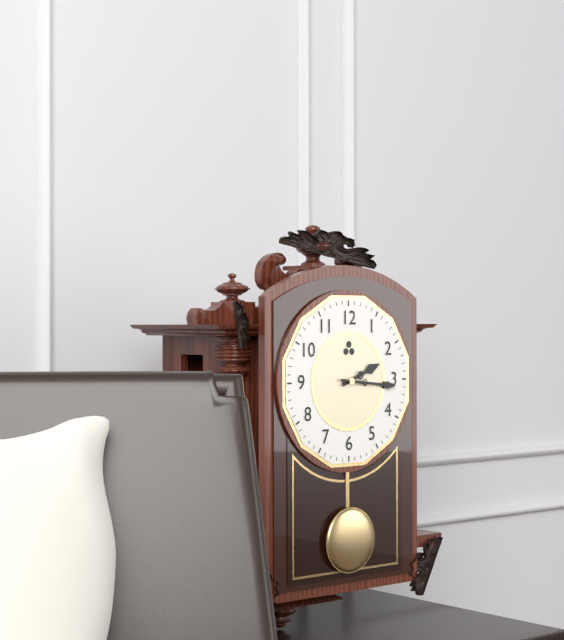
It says 2:16
